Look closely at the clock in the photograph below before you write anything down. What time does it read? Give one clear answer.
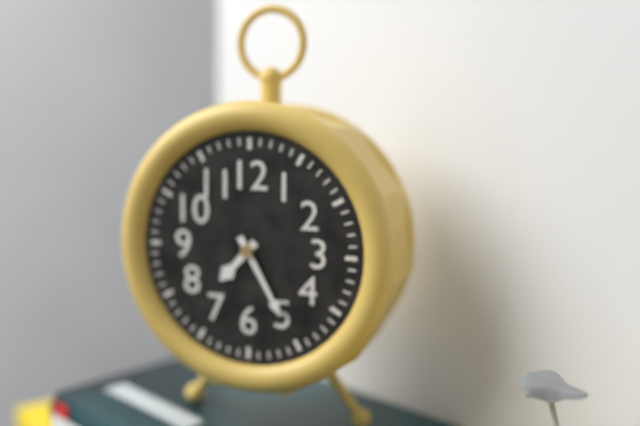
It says 7:25
